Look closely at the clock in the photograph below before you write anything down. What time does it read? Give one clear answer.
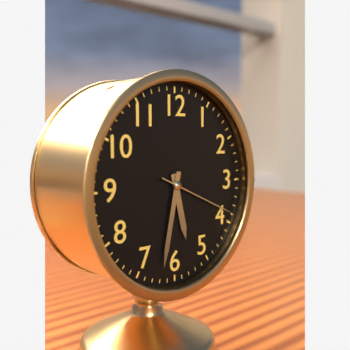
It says 5:32:19
